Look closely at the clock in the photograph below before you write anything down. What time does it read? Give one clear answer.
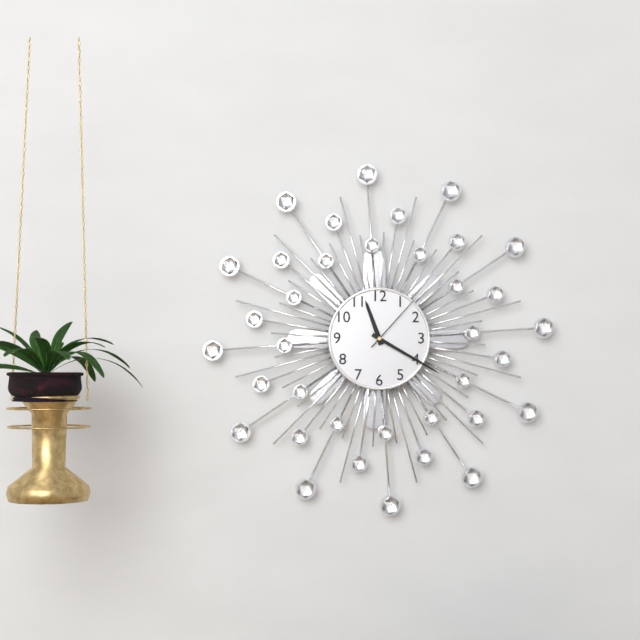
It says 11:20:07
